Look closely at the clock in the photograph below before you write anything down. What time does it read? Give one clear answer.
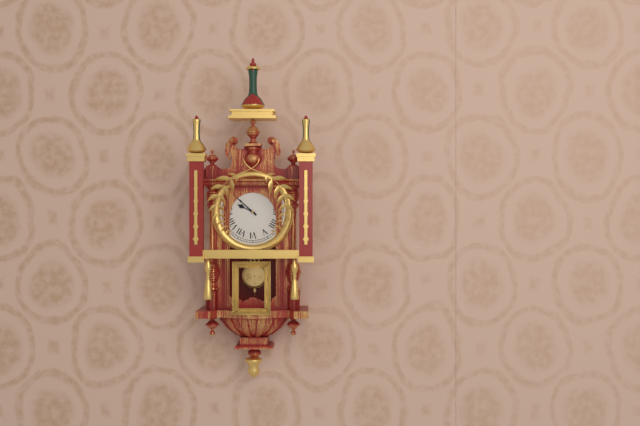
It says 9:52
